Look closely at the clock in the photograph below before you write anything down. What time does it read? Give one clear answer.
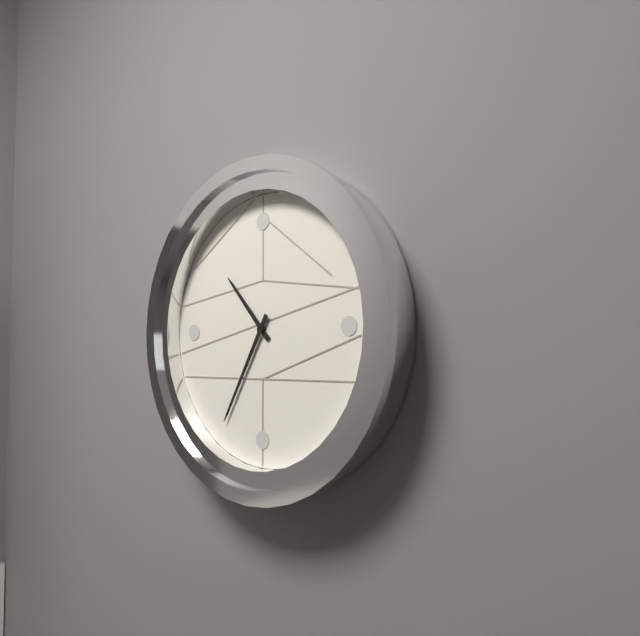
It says 10:35
